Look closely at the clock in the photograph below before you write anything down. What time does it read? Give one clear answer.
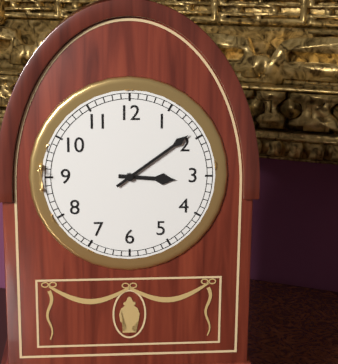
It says 3:09
